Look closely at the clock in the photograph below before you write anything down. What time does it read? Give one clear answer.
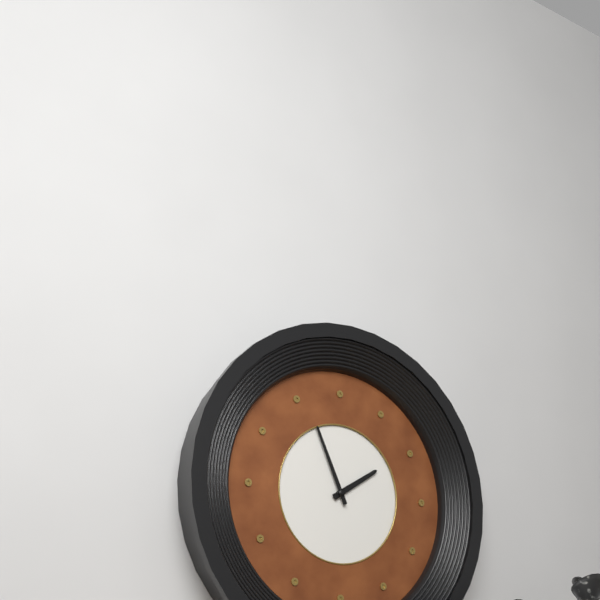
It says 1:56
